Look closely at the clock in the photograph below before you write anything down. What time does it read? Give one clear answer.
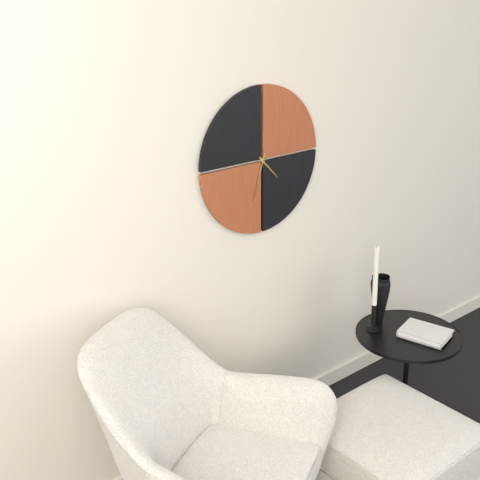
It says 4:33
